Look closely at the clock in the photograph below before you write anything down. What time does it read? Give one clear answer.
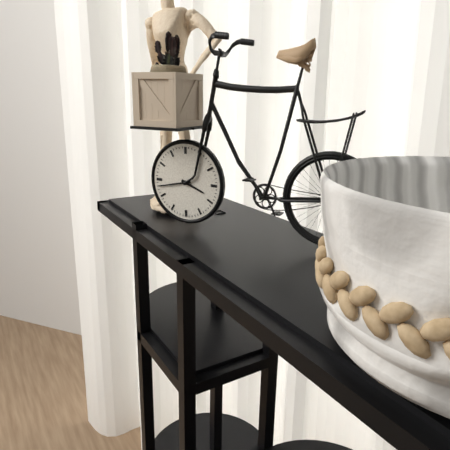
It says 3:43
